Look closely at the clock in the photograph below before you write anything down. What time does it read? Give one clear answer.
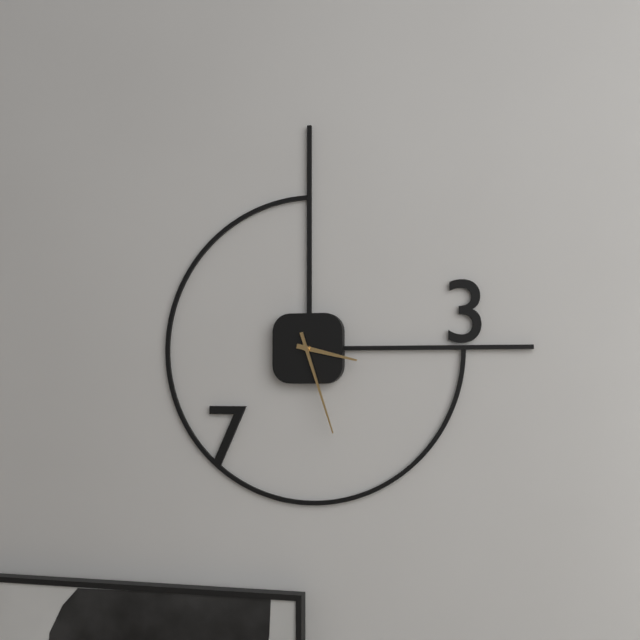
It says 3:27
